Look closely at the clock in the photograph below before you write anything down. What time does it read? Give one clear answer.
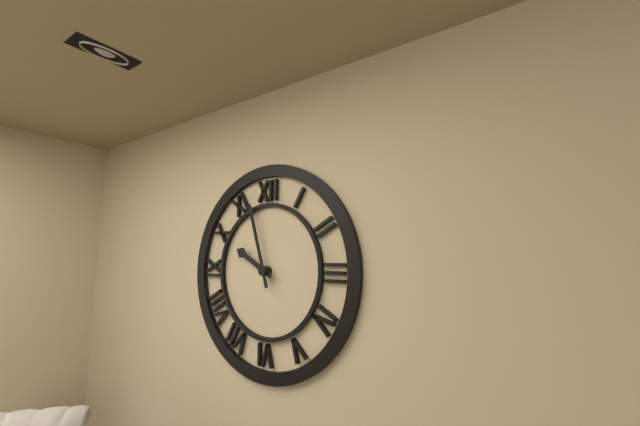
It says 9:57
